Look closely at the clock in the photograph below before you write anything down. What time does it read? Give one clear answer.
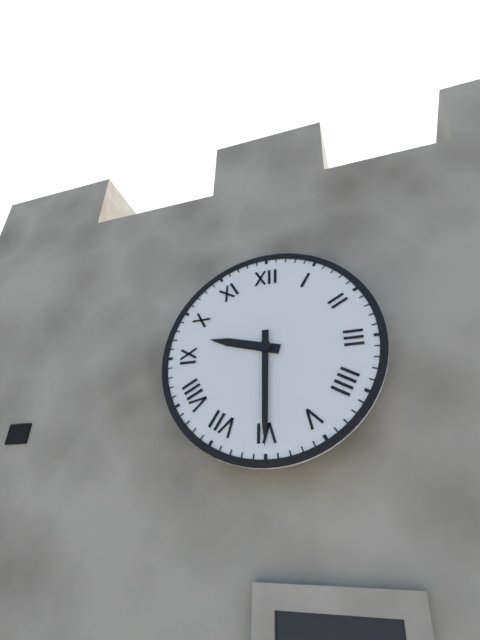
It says 9:30
